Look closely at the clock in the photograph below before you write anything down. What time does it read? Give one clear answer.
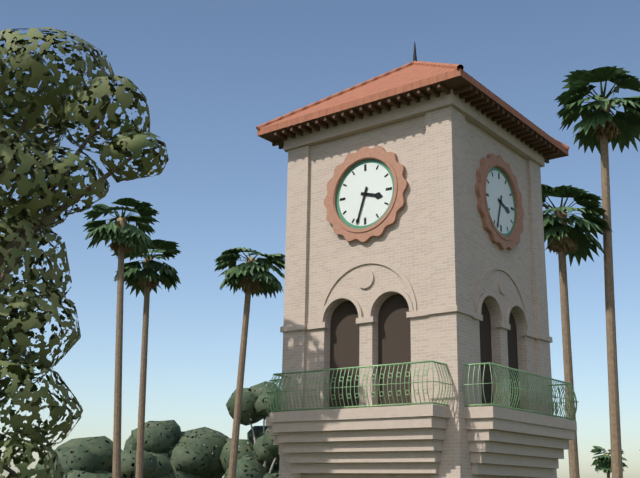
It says 3:33
